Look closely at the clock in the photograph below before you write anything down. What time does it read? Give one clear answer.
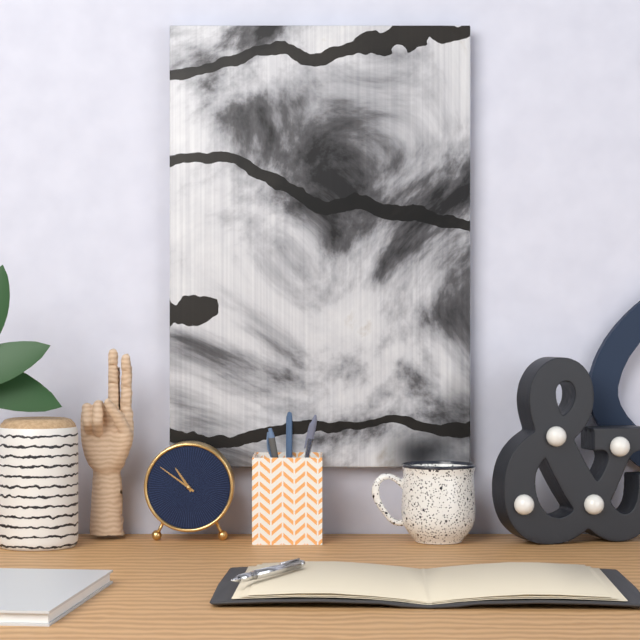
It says 10:51
